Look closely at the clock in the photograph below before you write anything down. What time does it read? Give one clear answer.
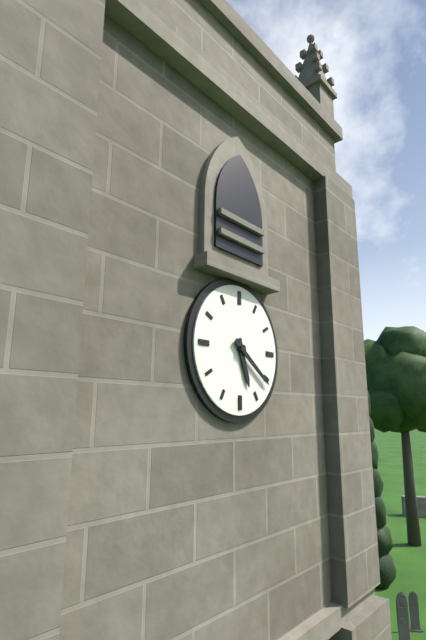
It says 5:21
